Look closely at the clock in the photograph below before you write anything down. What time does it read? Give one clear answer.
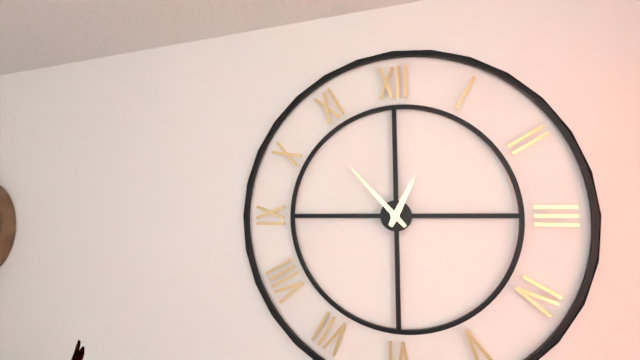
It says 12:53
